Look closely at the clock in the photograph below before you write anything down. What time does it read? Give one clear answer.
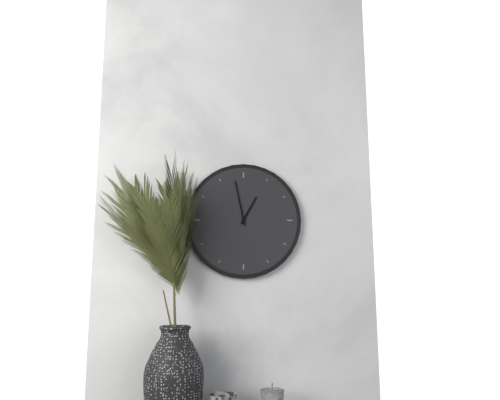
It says 12:58
